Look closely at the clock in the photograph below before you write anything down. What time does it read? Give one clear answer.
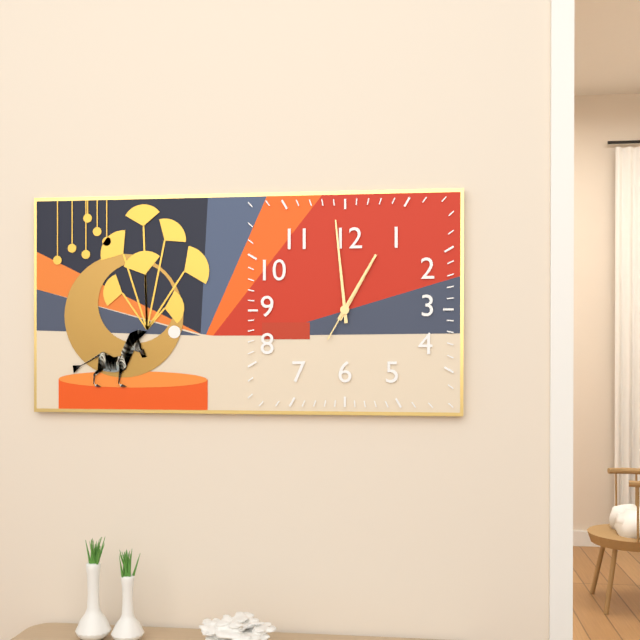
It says 12:59:05
